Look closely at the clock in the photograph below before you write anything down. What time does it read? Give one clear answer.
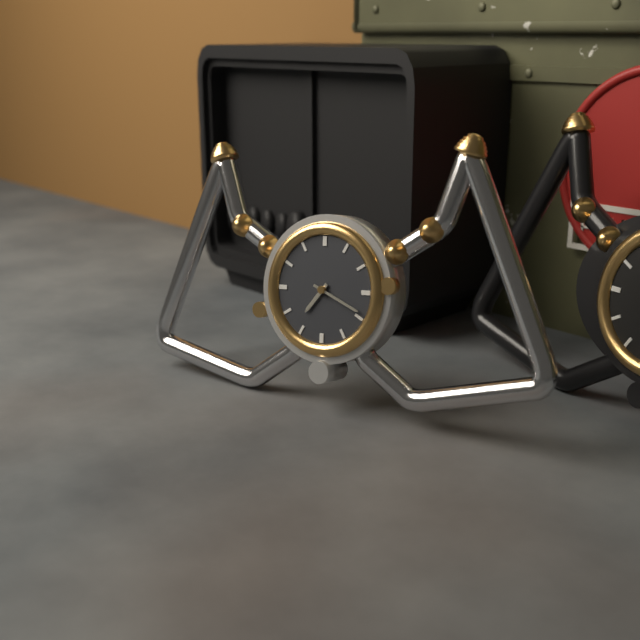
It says 7:19
